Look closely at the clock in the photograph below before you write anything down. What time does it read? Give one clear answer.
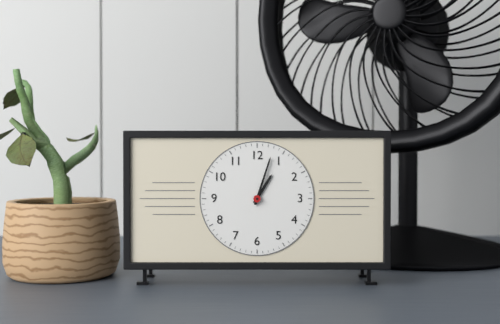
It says 1:03
